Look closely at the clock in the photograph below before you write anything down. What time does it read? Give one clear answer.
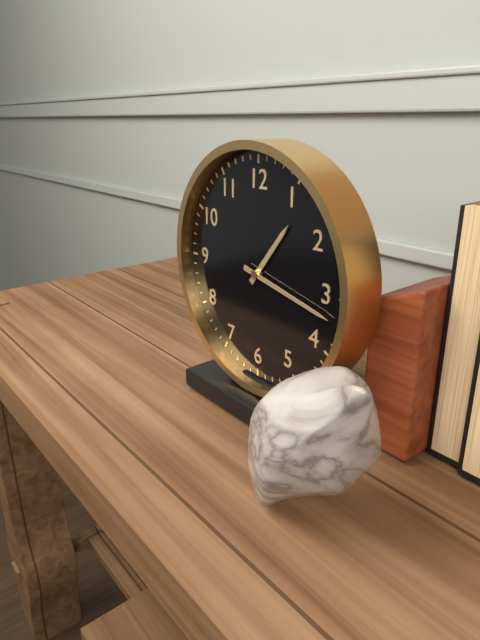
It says 1:17
